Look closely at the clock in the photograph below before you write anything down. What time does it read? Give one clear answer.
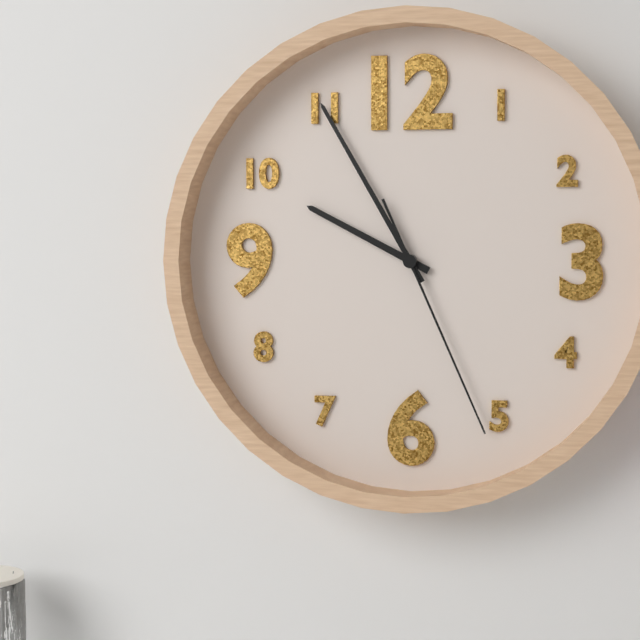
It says 9:55:26
